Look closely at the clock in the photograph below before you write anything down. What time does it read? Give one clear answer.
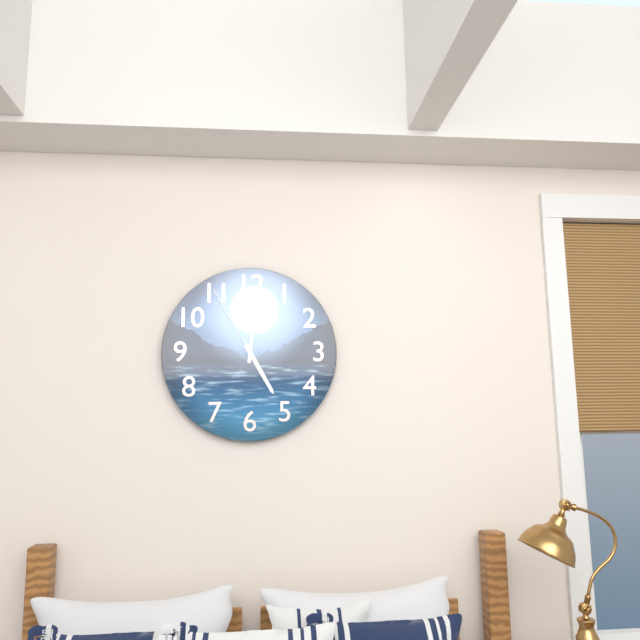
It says 5:01:55
